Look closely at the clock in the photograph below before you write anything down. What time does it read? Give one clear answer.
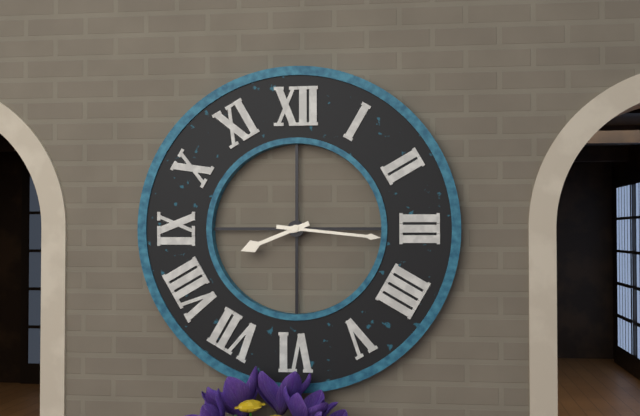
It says 8:16
